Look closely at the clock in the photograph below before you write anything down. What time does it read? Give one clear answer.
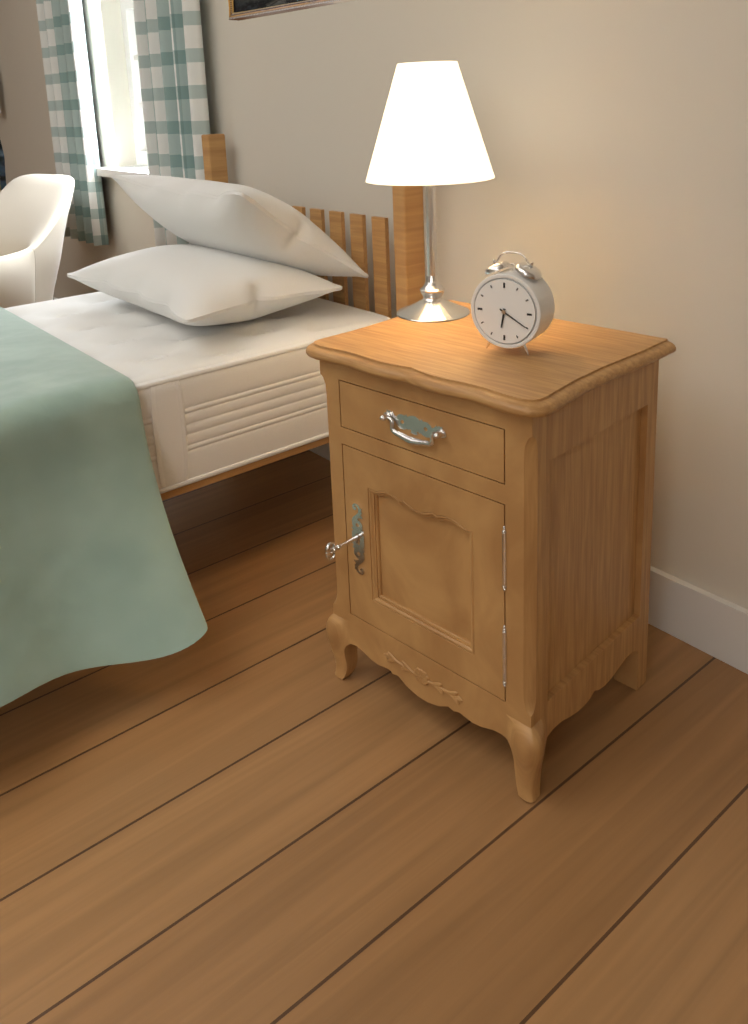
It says 6:20
